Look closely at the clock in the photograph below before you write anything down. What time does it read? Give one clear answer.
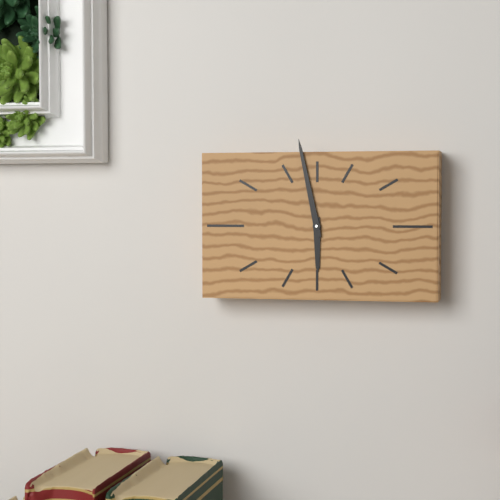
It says 5:58
